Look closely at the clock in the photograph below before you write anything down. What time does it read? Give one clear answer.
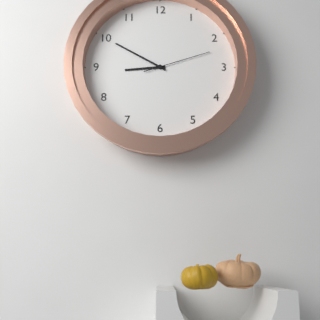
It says 8:50:12
